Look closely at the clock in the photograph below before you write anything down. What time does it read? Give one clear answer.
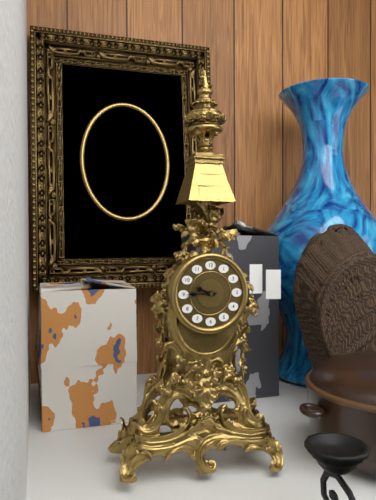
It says 9:45
